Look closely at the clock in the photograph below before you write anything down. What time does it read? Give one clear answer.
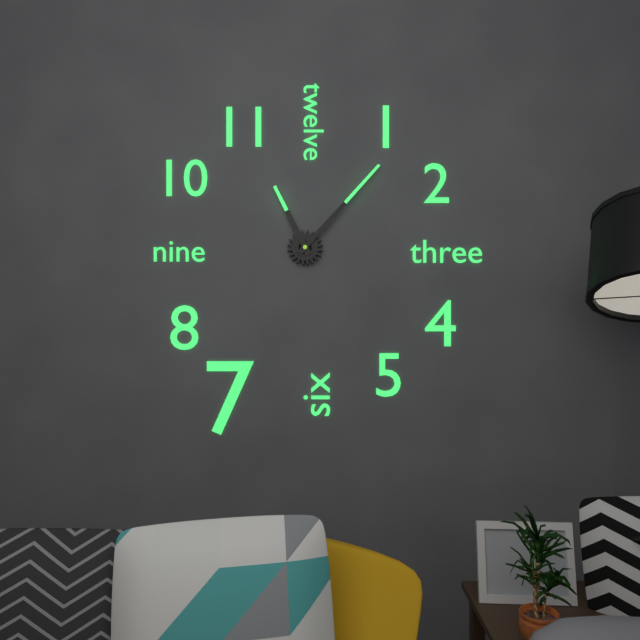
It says 11:07
